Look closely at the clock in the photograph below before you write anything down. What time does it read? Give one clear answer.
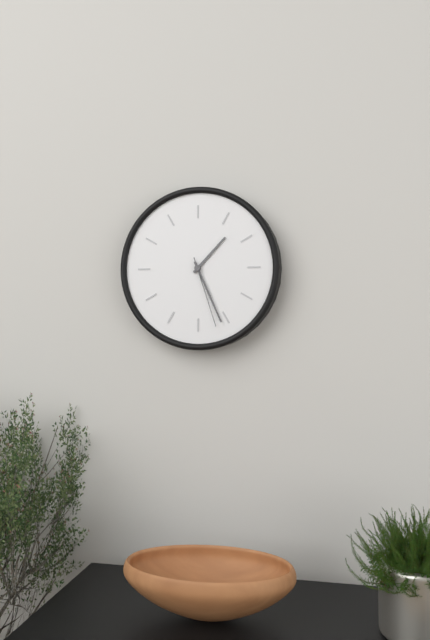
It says 1:26:27
